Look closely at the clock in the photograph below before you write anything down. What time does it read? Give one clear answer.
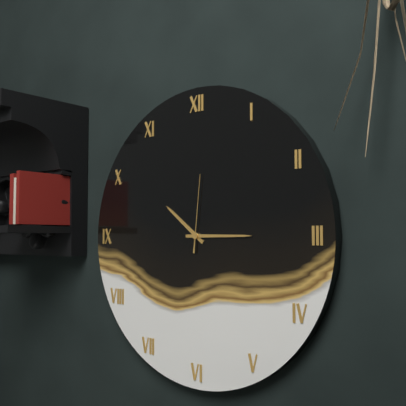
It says 10:15:01
